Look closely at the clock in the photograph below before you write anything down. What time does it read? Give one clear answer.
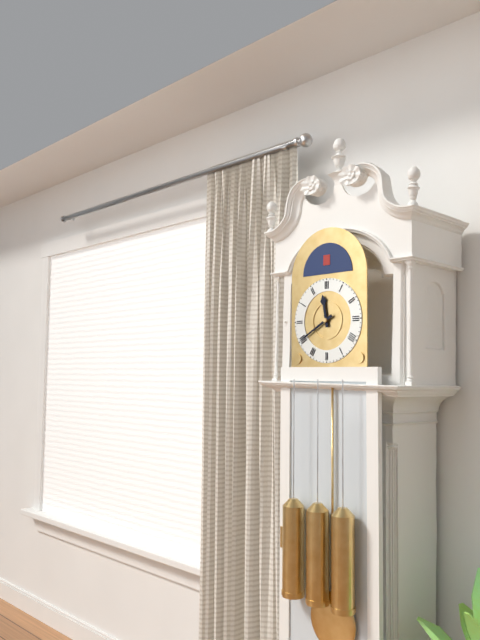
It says 11:40
